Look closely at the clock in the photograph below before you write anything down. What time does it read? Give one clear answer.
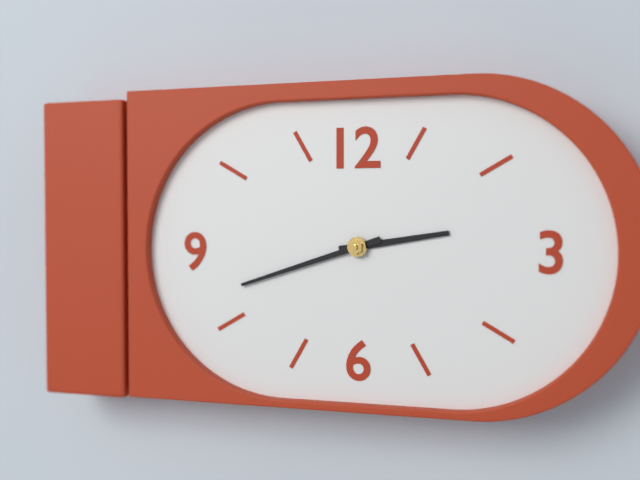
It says 2:42
